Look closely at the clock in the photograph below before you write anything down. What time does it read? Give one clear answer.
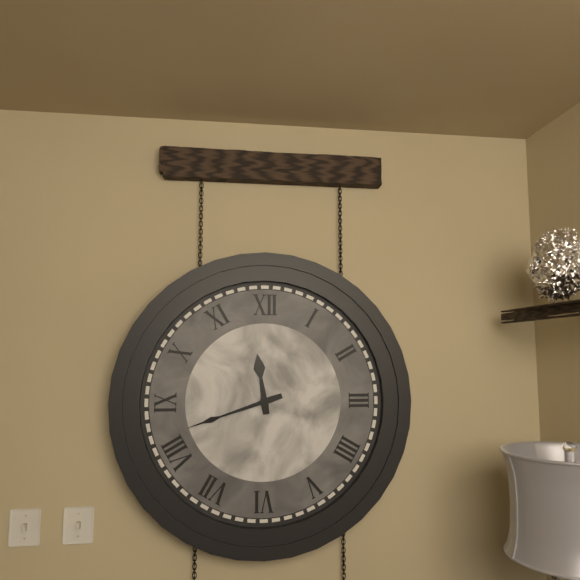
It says 11:42
